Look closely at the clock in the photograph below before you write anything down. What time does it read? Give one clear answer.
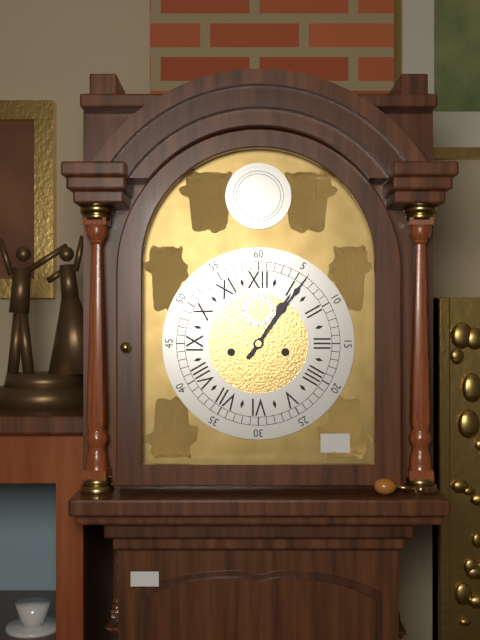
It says 1:06
